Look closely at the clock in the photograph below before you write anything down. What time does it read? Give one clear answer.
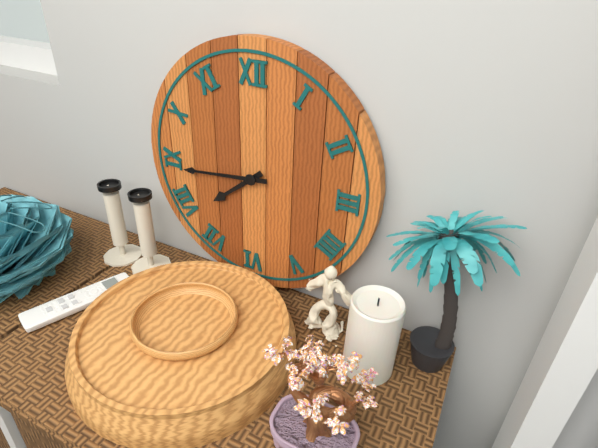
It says 7:44
